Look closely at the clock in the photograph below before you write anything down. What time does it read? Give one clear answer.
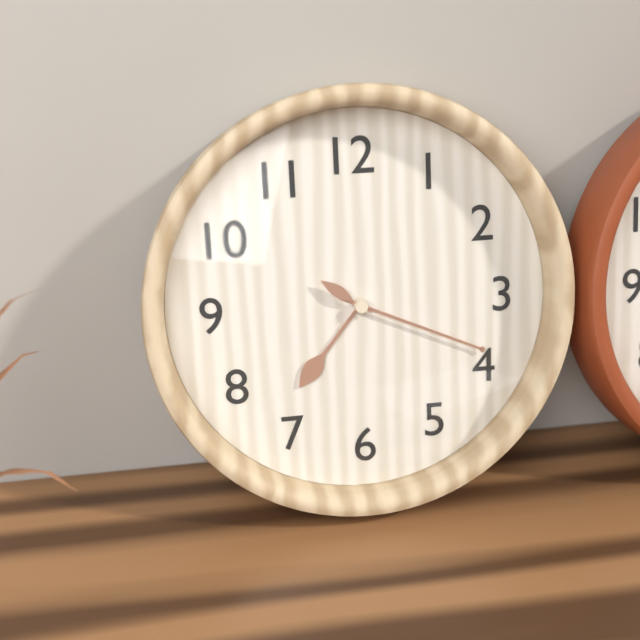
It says 7:19:51
